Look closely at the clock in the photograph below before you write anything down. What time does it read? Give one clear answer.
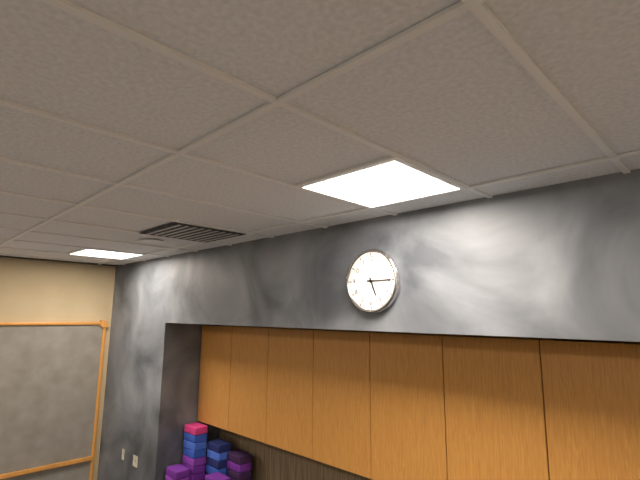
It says 5:15
